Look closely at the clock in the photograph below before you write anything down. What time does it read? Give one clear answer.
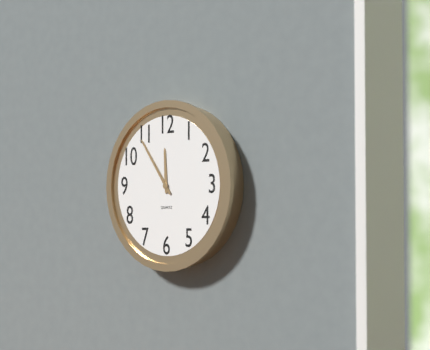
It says 11:54
